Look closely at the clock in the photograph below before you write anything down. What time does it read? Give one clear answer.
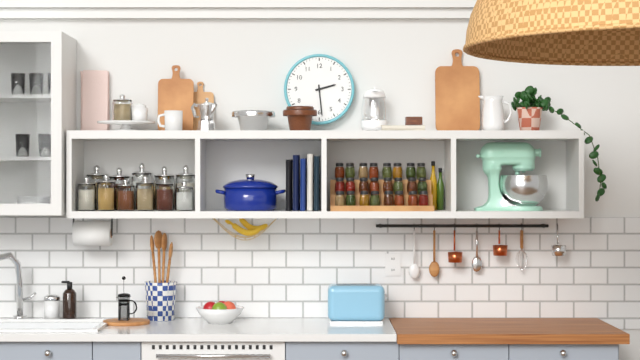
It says 2:29
